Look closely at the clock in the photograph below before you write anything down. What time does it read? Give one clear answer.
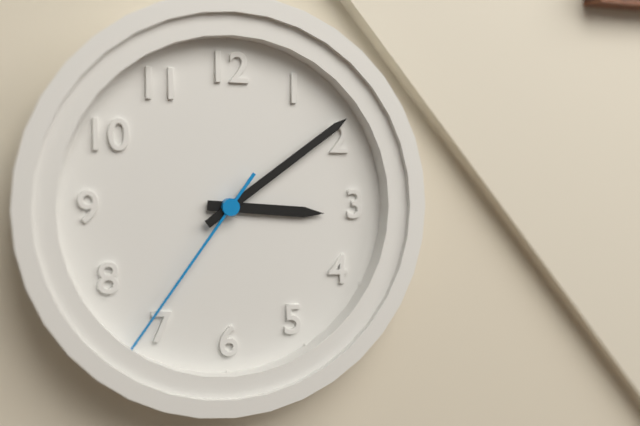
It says 3:09:36
